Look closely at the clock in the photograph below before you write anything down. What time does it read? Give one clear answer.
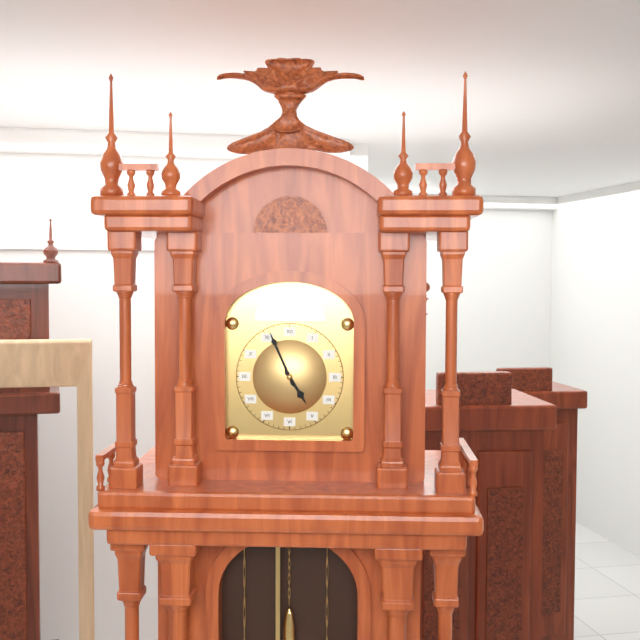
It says 4:56
